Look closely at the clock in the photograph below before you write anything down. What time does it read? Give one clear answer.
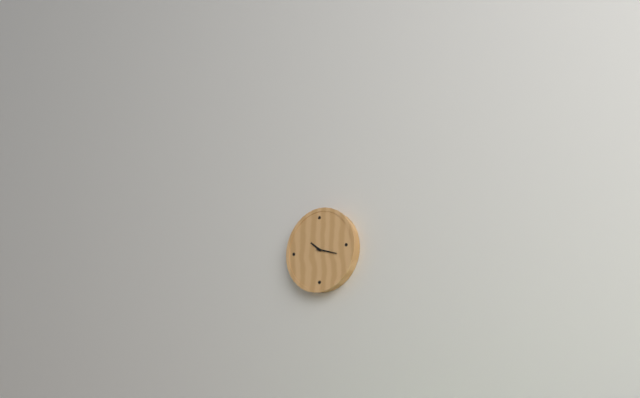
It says 10:18
